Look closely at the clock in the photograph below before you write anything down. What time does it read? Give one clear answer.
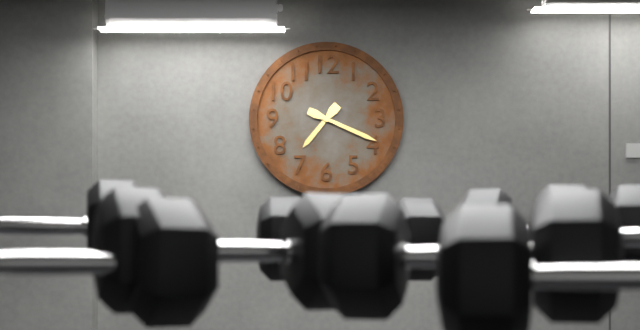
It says 7:19
